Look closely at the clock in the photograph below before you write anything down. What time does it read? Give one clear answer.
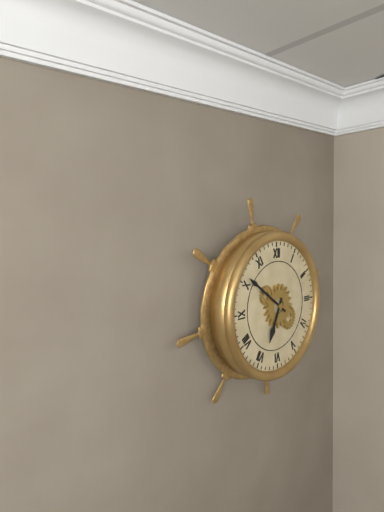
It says 6:51
